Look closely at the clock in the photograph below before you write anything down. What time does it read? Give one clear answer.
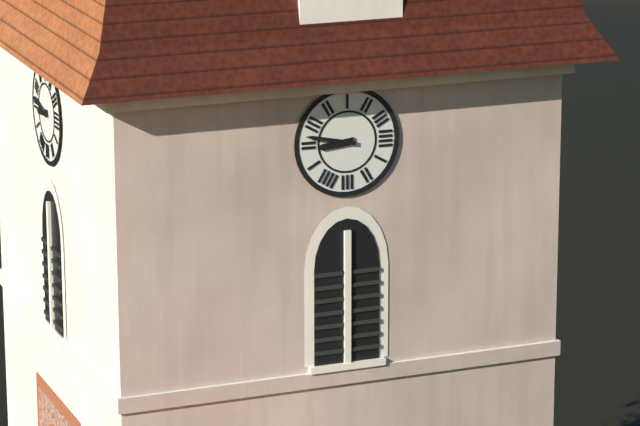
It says 8:47
